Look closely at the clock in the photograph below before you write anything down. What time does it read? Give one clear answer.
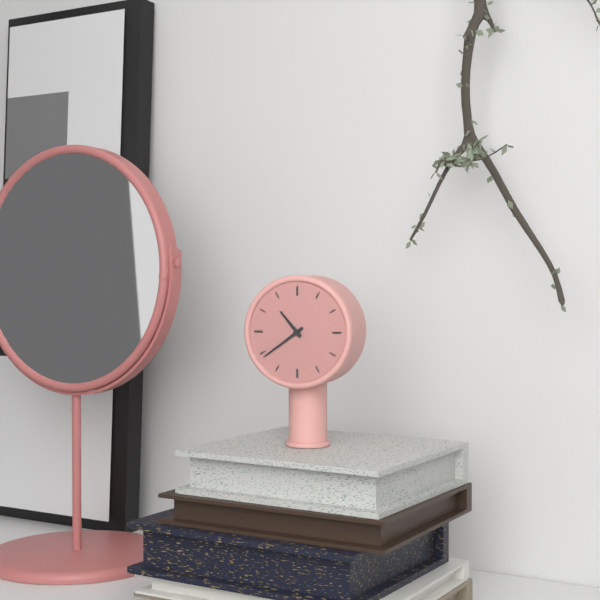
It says 10:39
